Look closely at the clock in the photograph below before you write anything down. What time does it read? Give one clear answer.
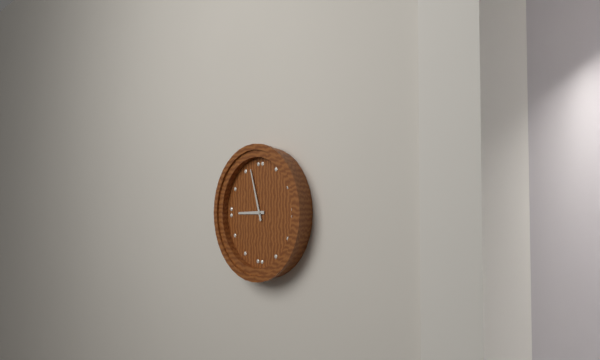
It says 8:57
